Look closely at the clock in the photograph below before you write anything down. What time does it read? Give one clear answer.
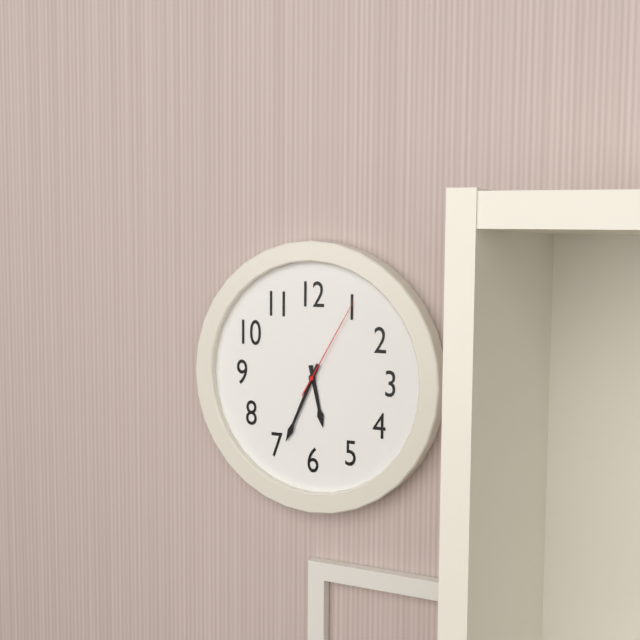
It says 5:34:05
